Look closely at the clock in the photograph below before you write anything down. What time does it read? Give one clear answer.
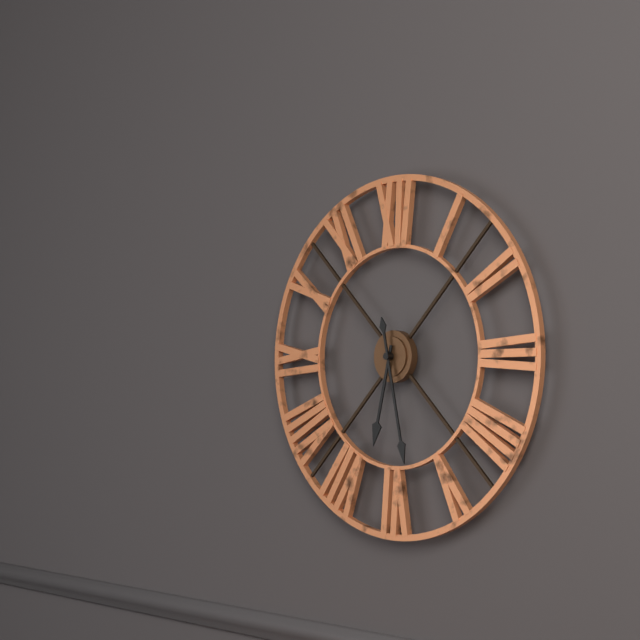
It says 6:28
